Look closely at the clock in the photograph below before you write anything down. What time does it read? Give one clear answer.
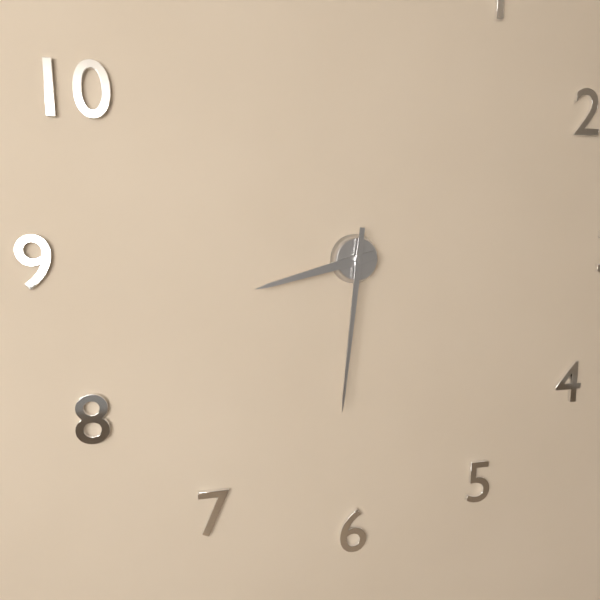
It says 8:31
